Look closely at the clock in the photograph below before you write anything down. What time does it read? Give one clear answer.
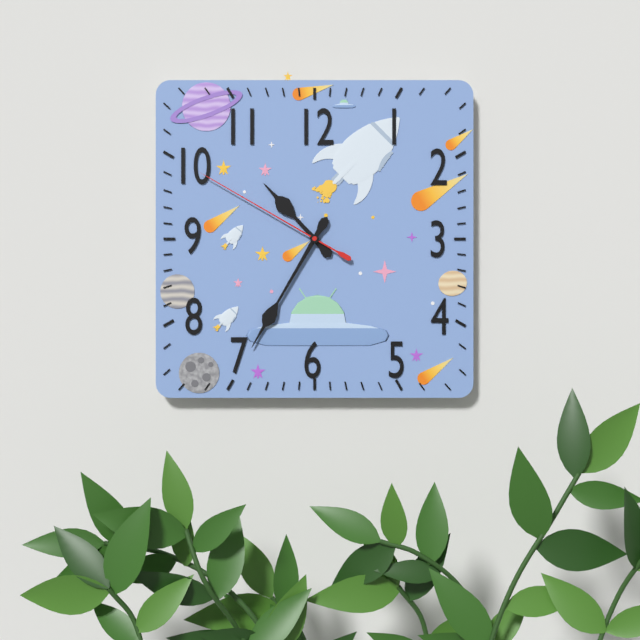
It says 10:35:50
